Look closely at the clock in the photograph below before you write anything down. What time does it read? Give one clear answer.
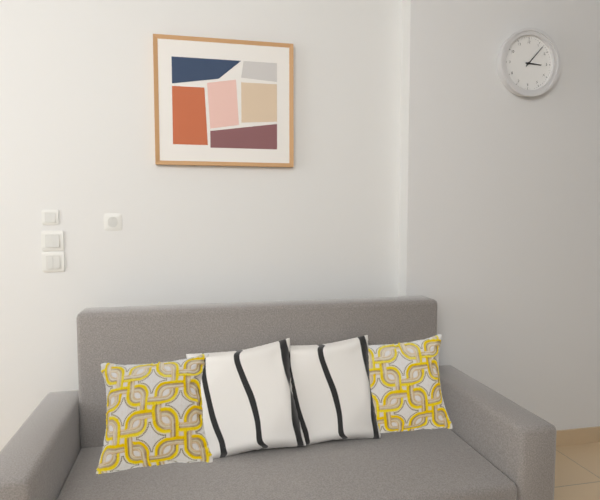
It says 3:07
